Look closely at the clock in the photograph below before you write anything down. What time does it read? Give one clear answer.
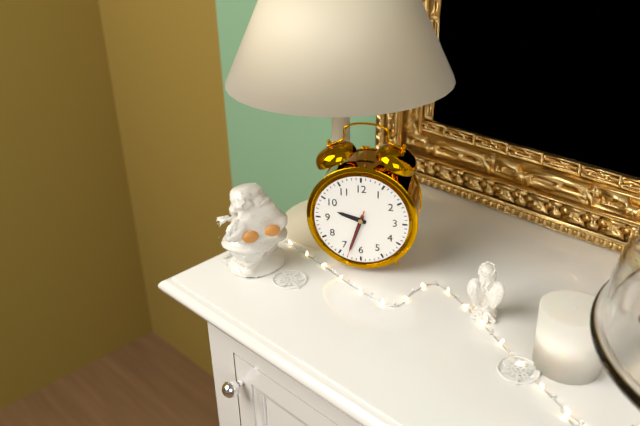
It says 9:33
